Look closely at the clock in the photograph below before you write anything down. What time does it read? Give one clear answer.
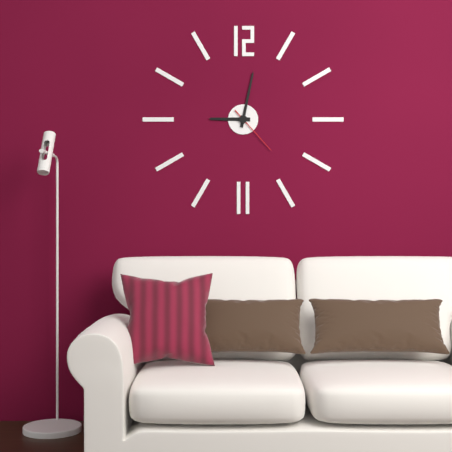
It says 9:02:23
